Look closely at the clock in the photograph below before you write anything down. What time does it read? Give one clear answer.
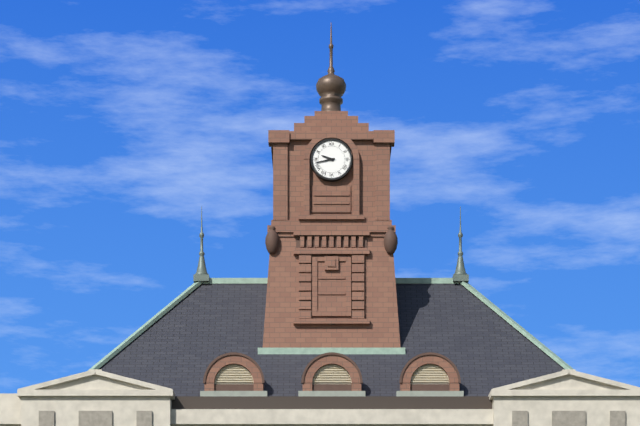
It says 9:43
